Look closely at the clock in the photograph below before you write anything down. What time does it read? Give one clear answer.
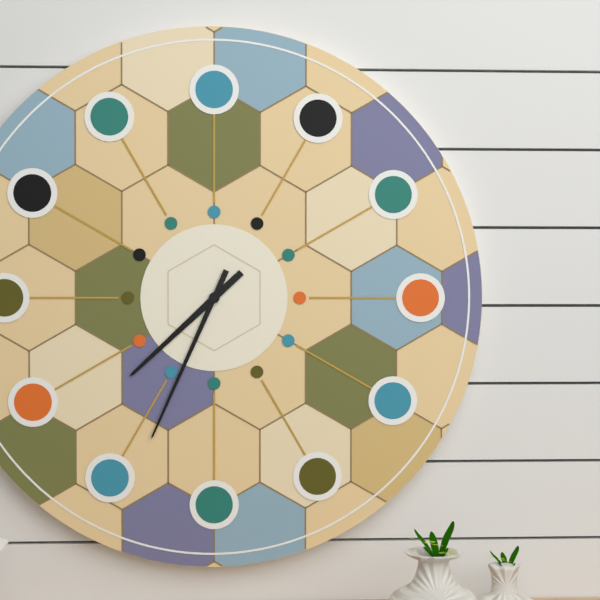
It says 7:34
